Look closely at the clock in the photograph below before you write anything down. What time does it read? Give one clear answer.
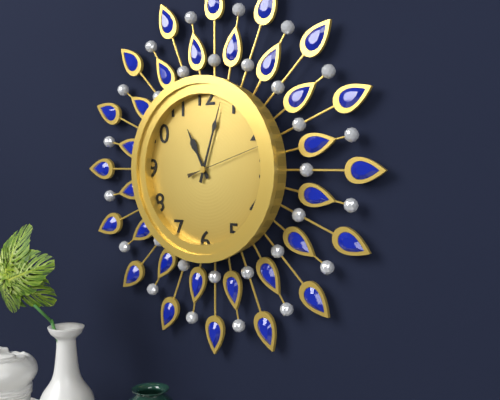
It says 11:03:12
